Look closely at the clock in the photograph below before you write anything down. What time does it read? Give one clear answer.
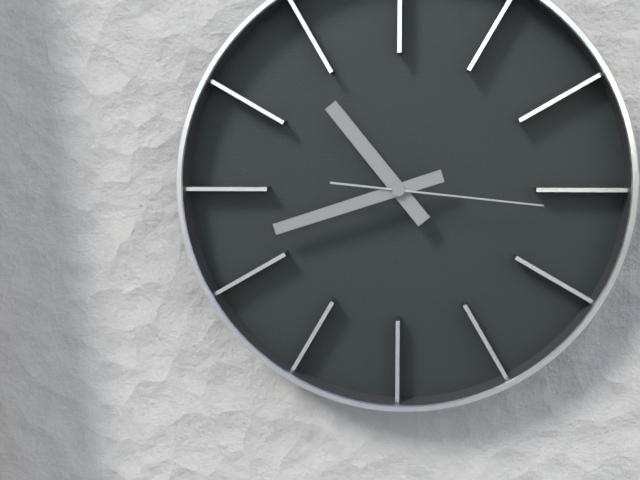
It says 10:42:16
